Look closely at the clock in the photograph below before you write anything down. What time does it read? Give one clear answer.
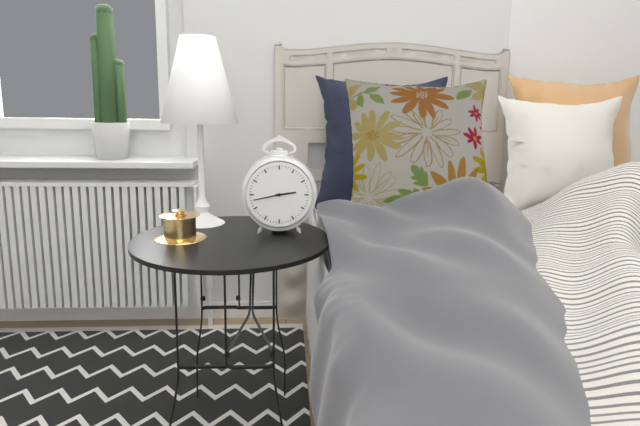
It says 2:43
